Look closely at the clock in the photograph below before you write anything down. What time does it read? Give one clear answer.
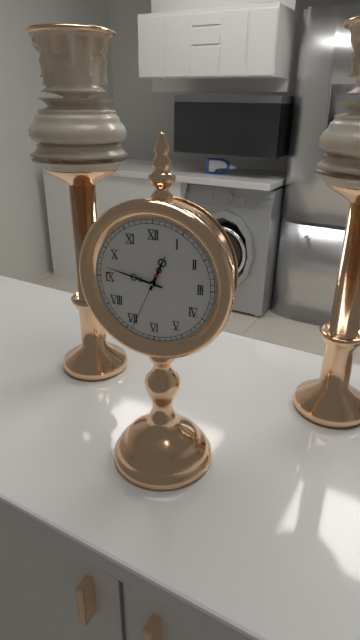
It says 12:47:34
